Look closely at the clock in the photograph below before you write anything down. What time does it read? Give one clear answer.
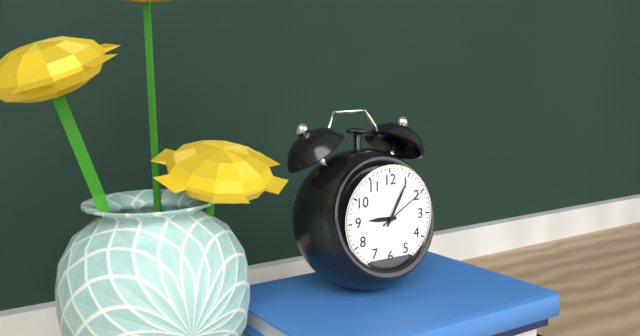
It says 9:05:10
